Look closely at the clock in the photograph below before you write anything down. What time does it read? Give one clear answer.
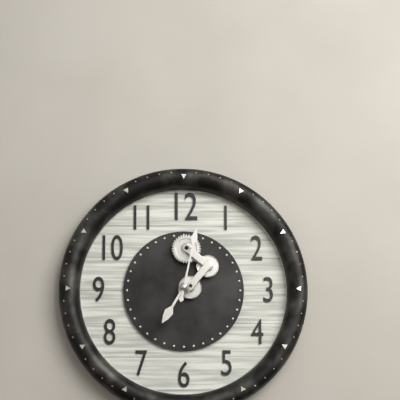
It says 7:02
